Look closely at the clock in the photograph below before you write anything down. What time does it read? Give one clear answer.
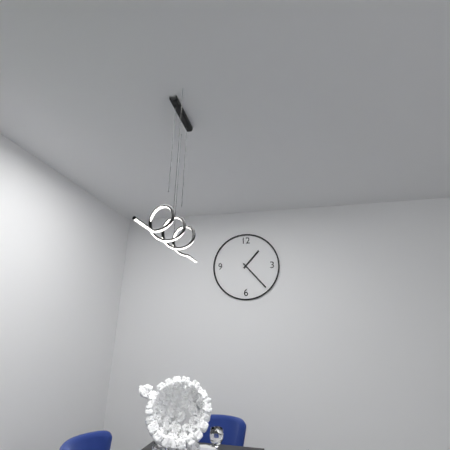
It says 1:23
